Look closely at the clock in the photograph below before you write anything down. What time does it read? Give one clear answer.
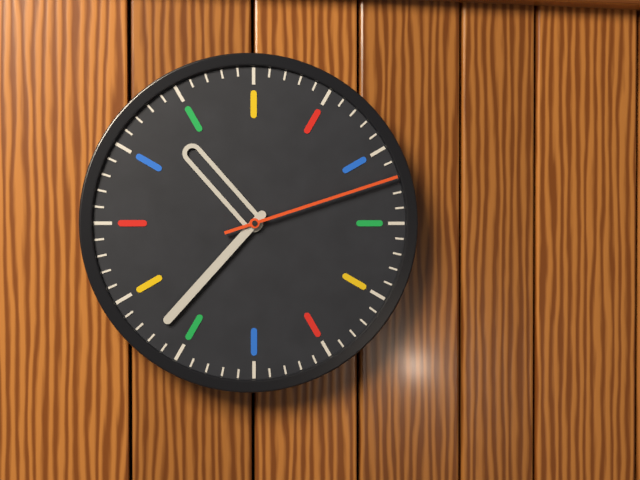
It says 10:37:12
